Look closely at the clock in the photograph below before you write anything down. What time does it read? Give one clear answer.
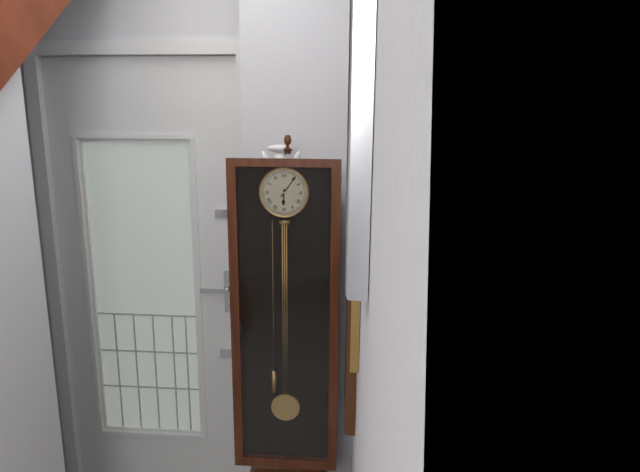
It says 6:06
